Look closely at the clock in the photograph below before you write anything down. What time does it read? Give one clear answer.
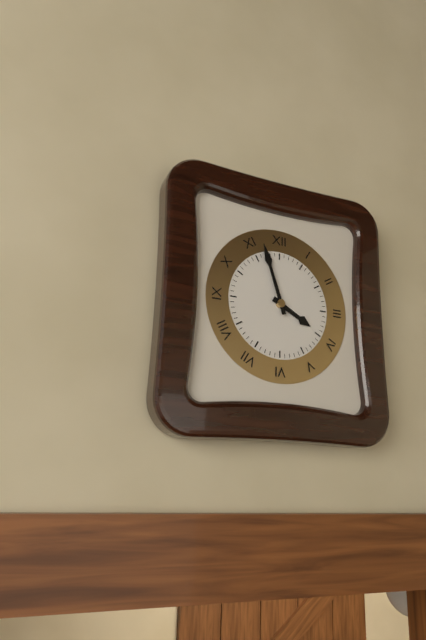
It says 3:57
